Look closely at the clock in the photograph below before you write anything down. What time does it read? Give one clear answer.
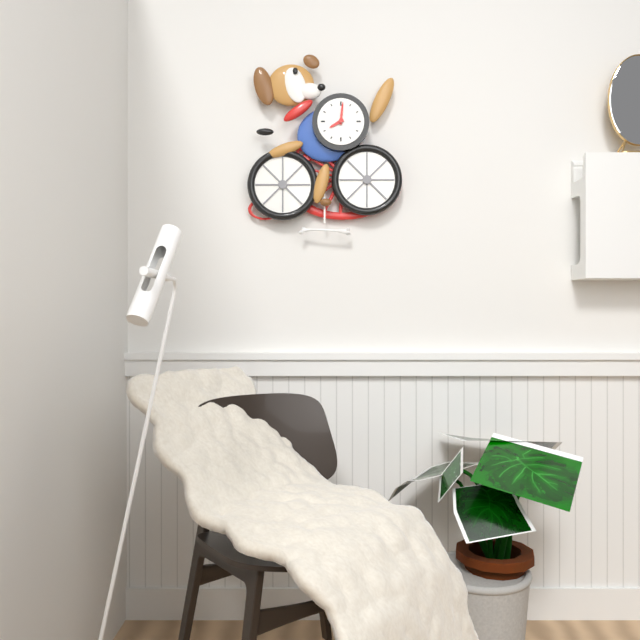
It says 8:01
